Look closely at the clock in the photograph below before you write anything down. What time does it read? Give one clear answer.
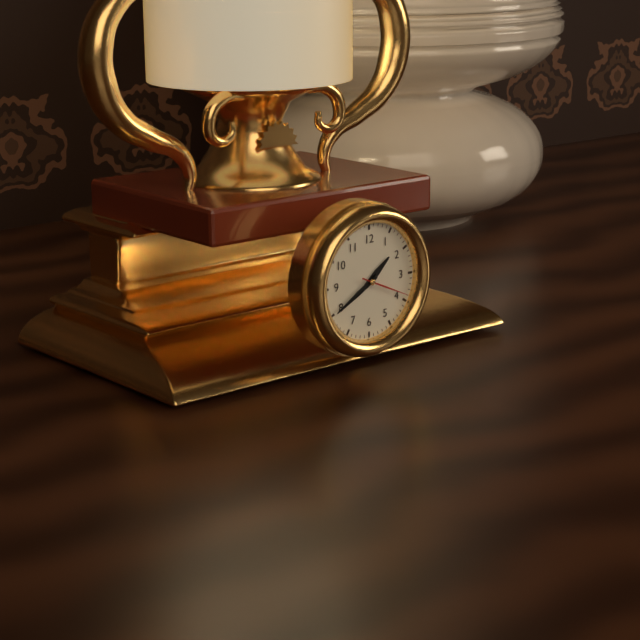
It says 1:40
